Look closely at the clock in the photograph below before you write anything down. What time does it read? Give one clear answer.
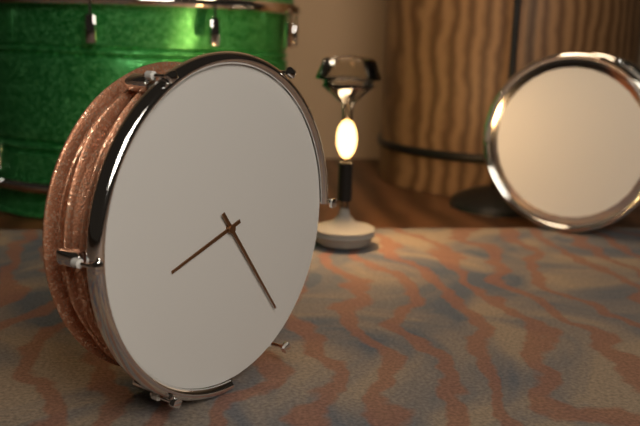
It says 8:24
